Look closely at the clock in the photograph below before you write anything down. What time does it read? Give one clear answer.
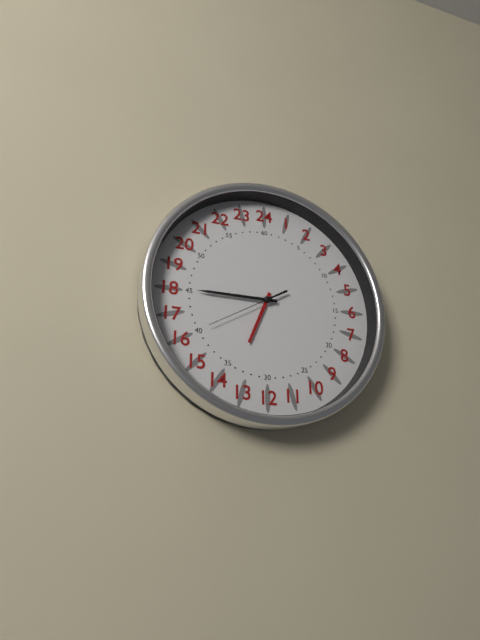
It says 6:45:40
